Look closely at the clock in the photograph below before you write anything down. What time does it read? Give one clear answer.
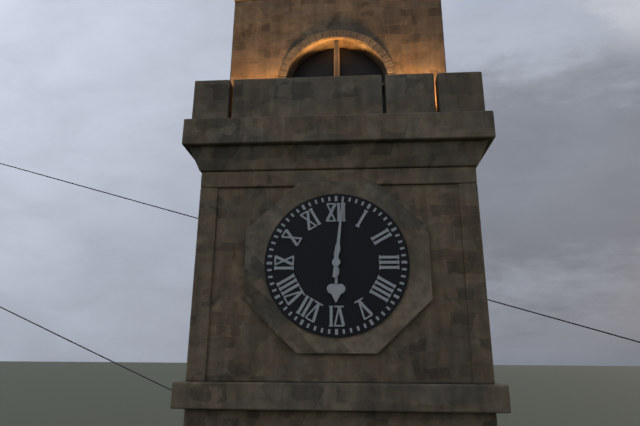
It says 6:01
